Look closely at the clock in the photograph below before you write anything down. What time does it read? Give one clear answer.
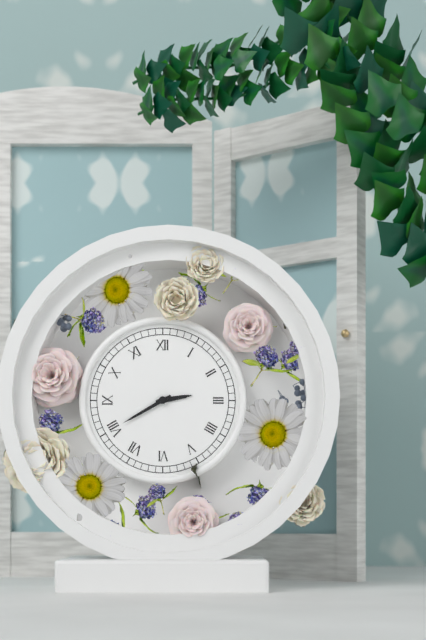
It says 2:40
